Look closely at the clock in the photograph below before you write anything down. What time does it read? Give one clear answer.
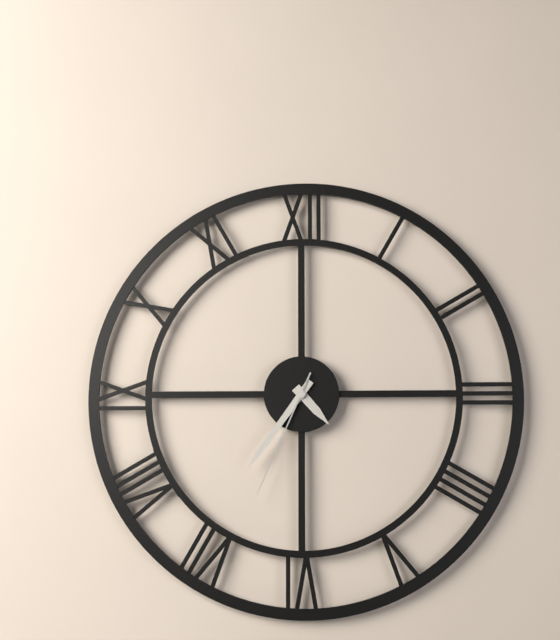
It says 4:36:34
